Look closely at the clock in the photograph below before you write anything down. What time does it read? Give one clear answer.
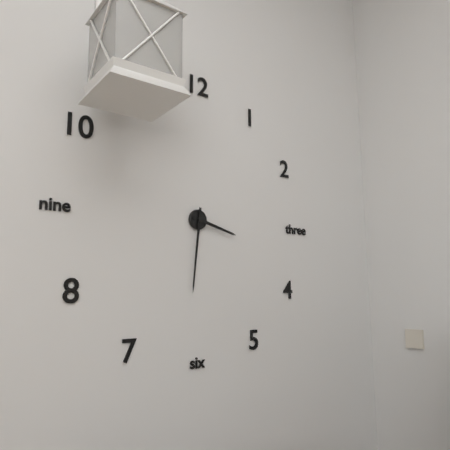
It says 3:31
